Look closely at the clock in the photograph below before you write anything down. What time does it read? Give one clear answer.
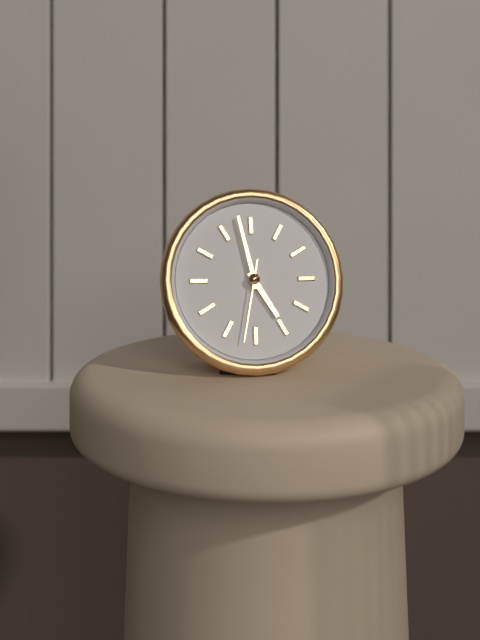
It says 4:58:32
